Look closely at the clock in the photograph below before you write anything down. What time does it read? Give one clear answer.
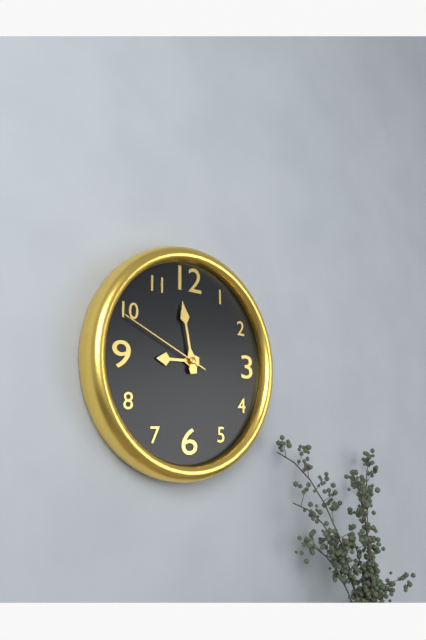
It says 8:58:49
